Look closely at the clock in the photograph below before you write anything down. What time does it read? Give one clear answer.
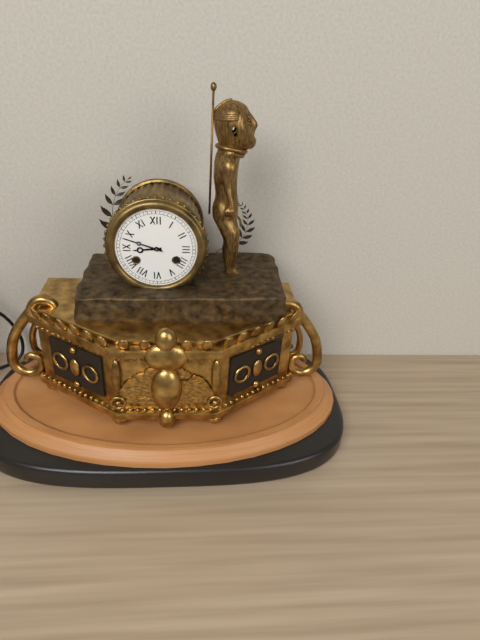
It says 8:48
